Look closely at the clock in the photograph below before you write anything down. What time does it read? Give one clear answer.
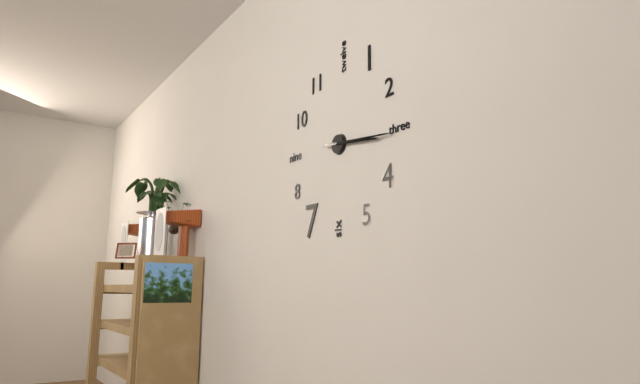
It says 3:16
